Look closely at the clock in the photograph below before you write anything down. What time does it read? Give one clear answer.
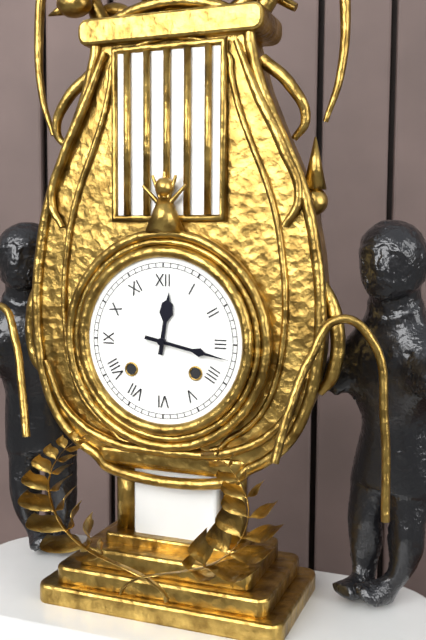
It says 12:17
